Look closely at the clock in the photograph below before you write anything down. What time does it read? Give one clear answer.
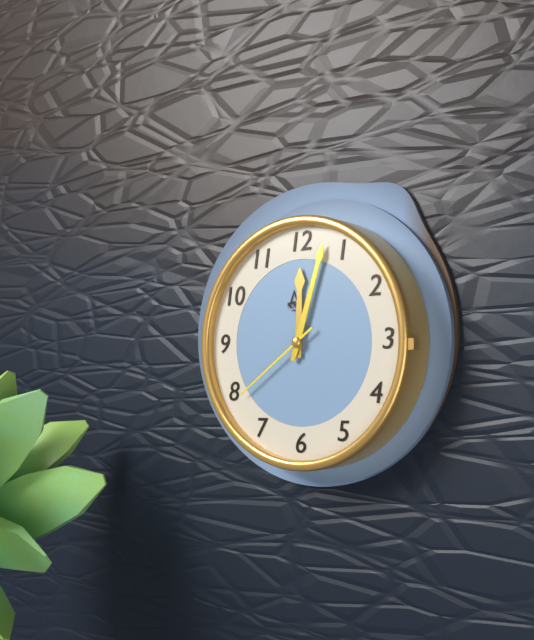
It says 12:03:39
